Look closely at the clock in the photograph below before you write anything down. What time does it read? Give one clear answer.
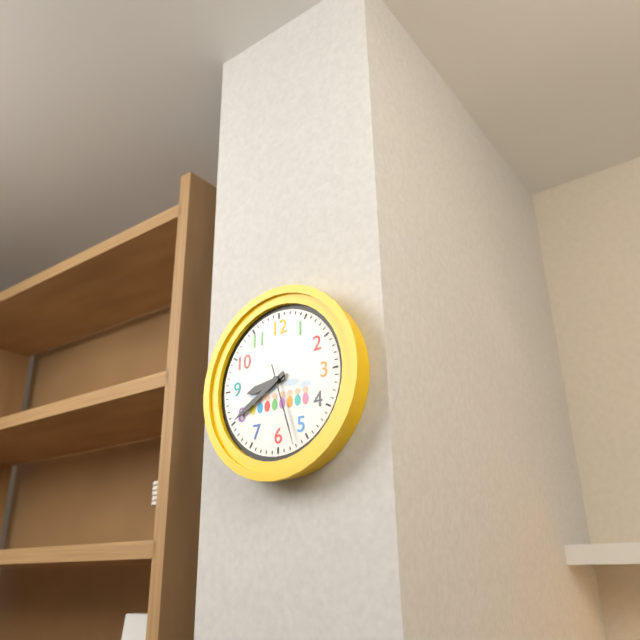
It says 8:40:27
